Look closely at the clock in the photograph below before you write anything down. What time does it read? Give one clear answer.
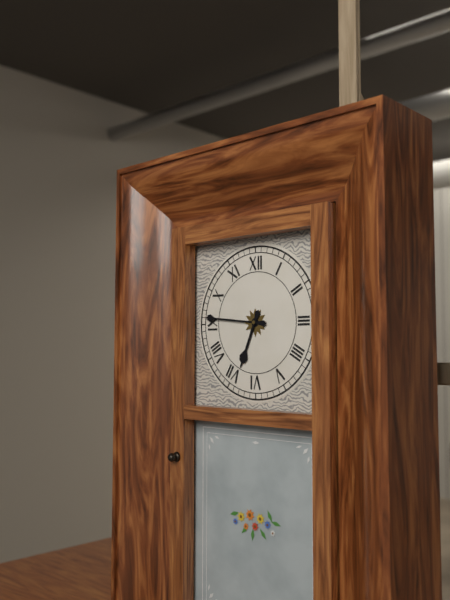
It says 6:46
